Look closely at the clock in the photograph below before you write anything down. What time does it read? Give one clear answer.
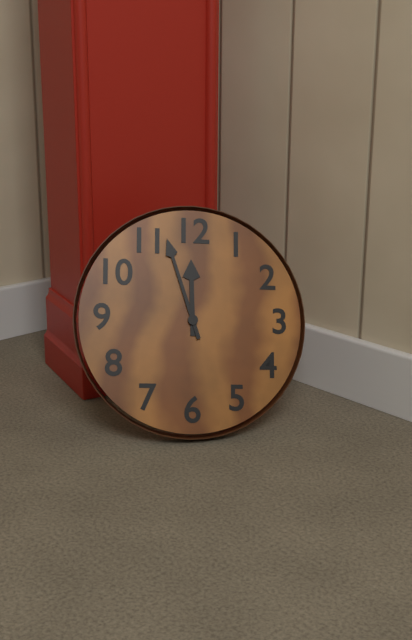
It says 11:57
